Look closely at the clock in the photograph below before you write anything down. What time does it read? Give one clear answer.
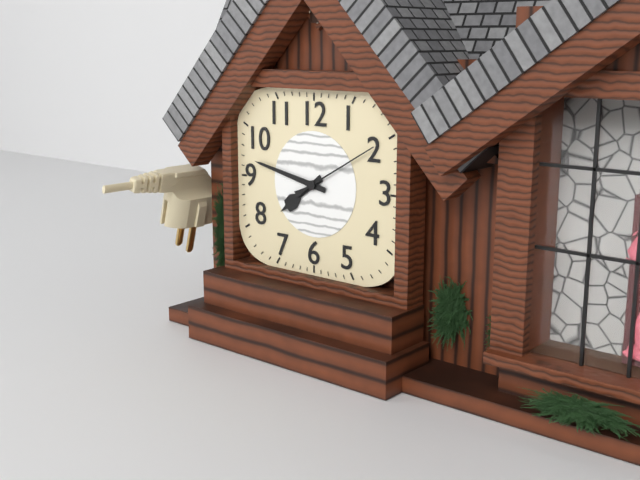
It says 7:47:10
